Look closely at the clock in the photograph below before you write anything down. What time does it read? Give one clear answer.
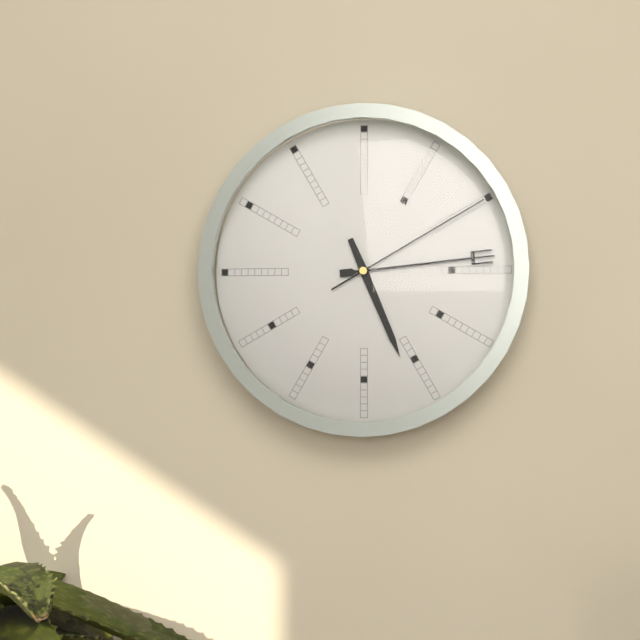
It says 5:14:10
